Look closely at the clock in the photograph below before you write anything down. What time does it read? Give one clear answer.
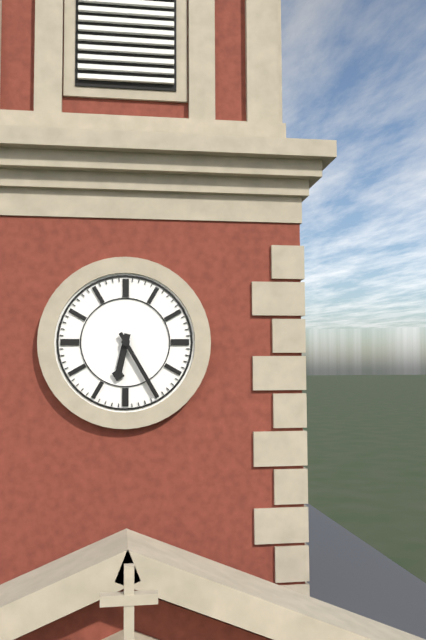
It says 6:25
